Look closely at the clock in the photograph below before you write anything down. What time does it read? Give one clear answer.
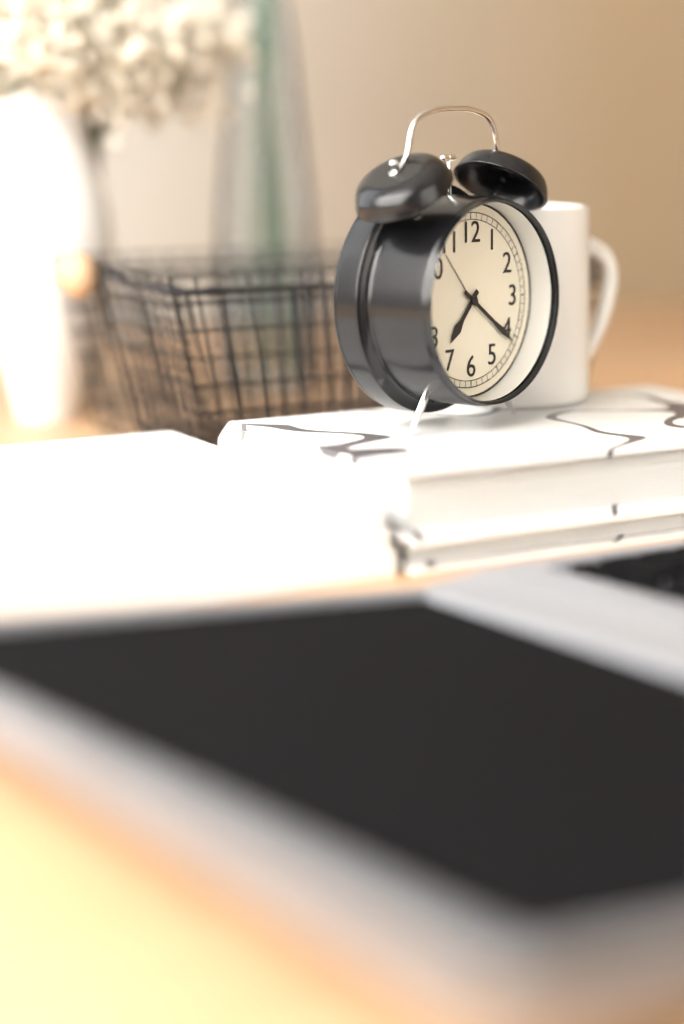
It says 7:21
